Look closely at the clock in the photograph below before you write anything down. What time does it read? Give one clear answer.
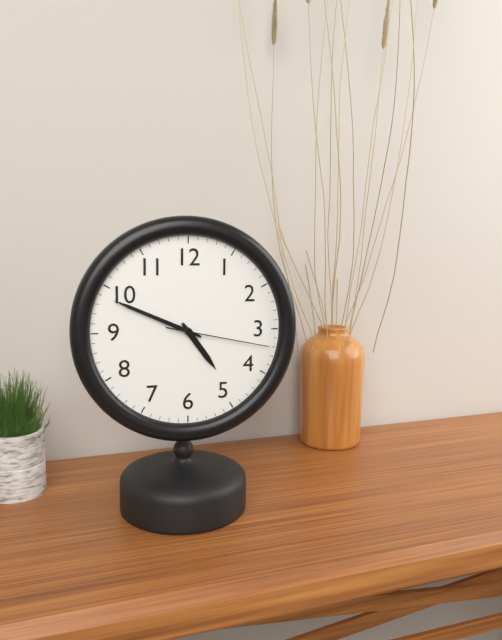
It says 4:49:17
